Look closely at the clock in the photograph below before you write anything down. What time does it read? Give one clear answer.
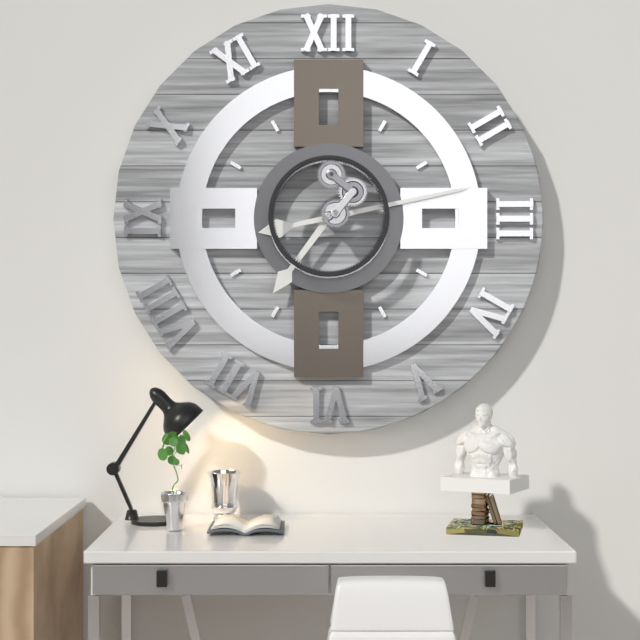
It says 7:13
